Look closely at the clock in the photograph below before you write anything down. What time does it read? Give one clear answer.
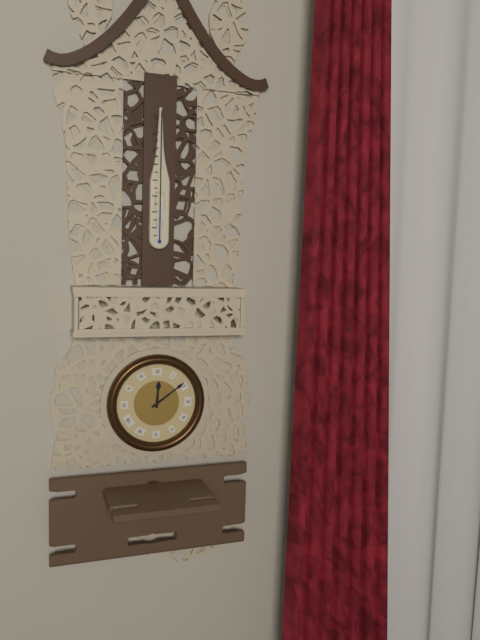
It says 12:09
